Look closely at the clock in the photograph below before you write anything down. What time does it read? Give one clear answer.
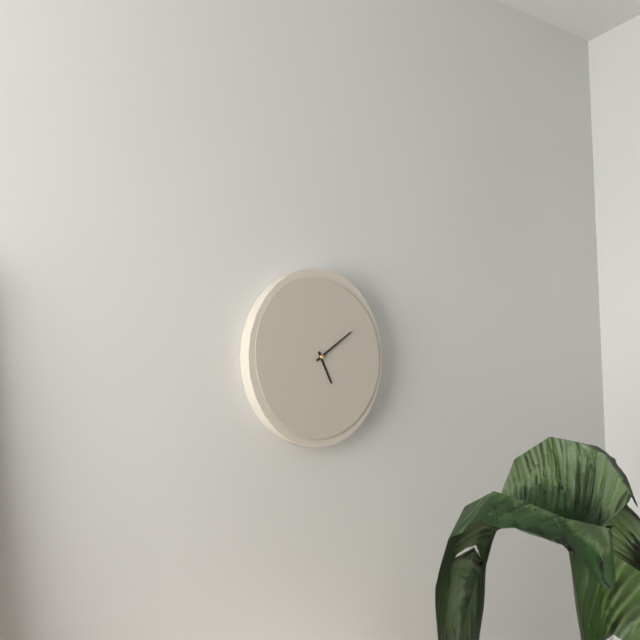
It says 5:09
